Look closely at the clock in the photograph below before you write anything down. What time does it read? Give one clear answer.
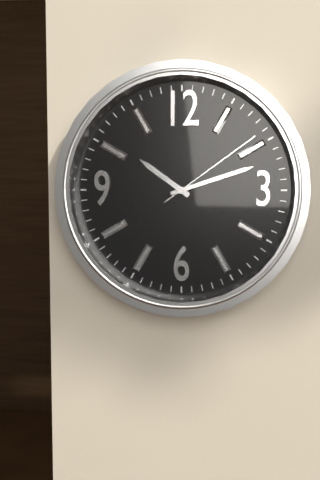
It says 10:12:09
